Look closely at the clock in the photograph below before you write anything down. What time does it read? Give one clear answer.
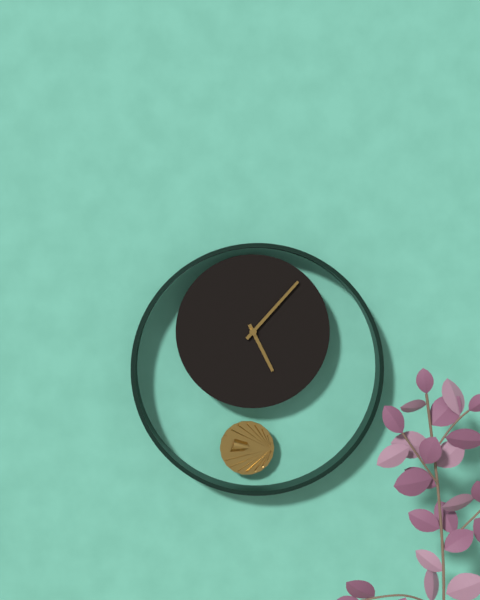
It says 5:07
